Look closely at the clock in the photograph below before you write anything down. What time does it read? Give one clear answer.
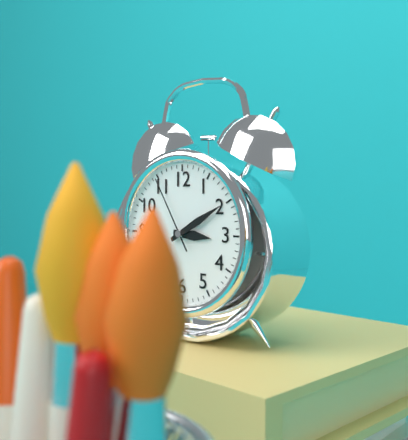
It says 3:10:55
